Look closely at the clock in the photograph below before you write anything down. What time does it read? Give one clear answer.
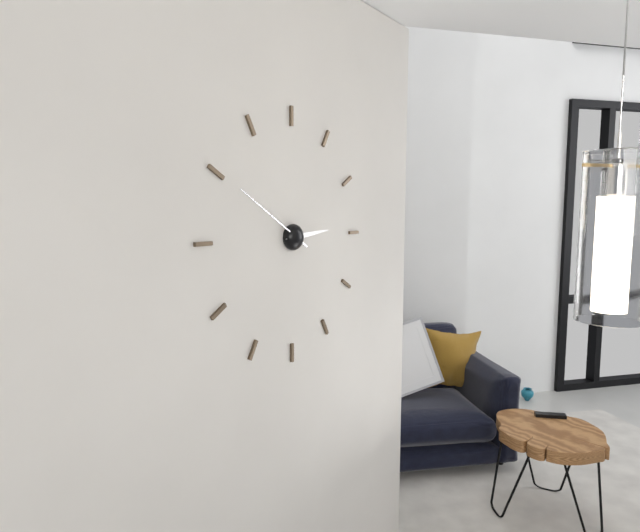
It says 2:50
